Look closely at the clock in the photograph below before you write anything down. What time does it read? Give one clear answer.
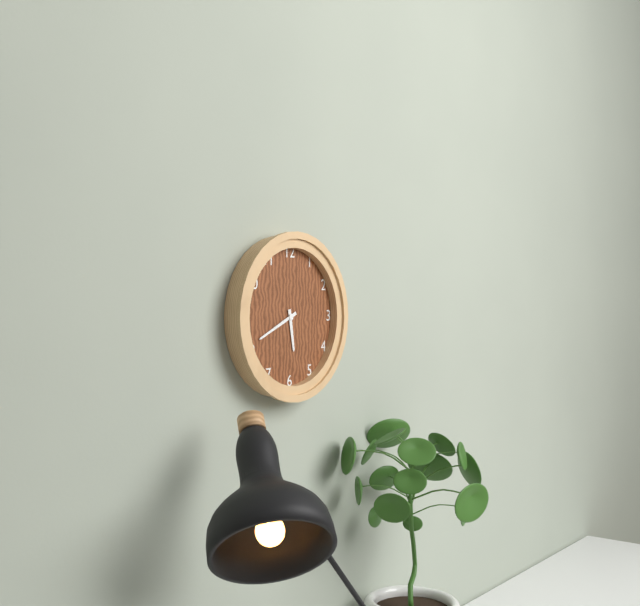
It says 5:41
